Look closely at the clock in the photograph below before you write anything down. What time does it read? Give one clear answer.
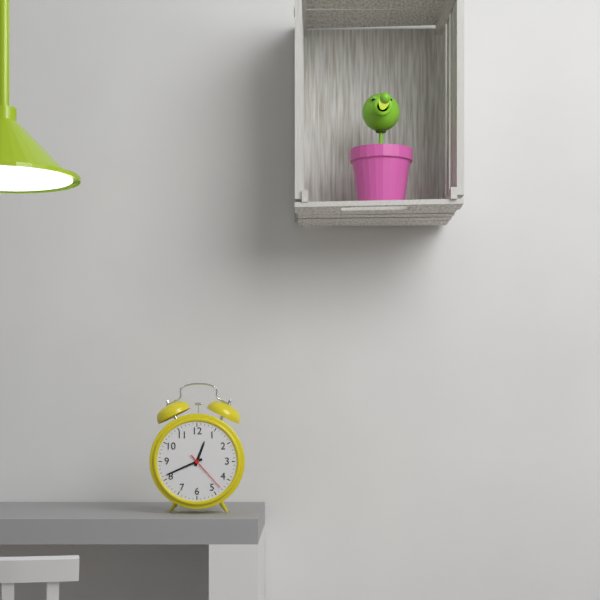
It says 12:41
